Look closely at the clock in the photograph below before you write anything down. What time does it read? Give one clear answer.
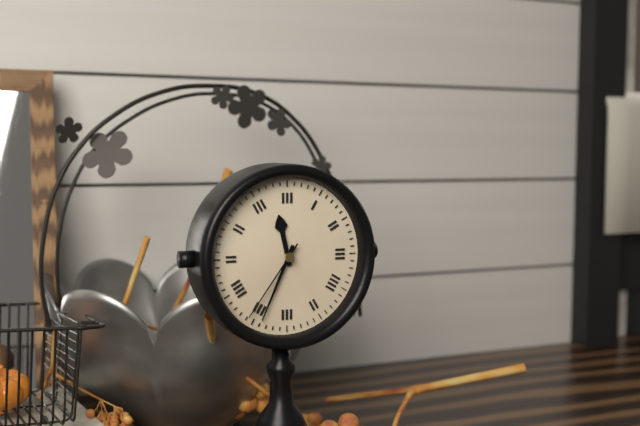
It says 11:34:36
